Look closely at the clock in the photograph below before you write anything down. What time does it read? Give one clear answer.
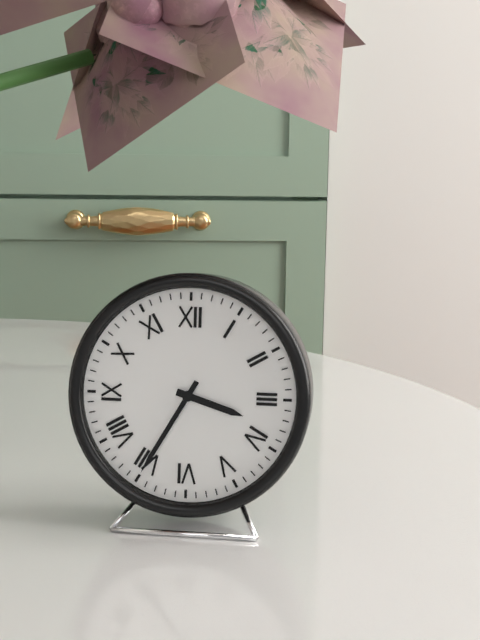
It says 3:35
